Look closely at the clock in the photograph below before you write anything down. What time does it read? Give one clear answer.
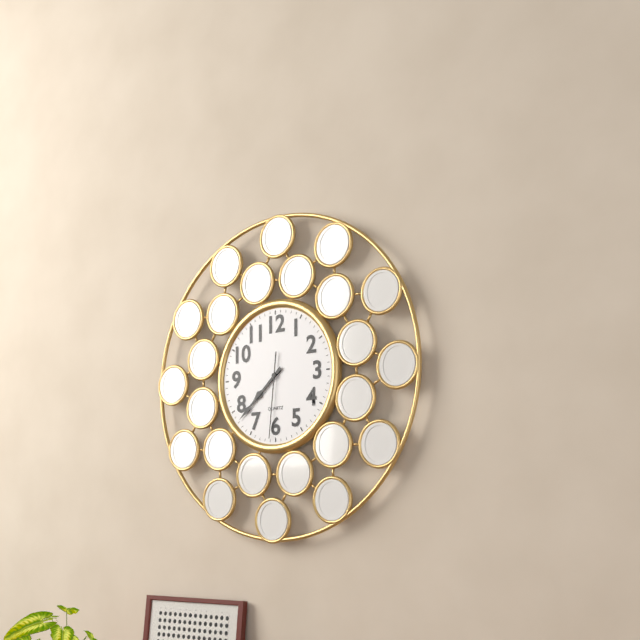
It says 7:38:31
